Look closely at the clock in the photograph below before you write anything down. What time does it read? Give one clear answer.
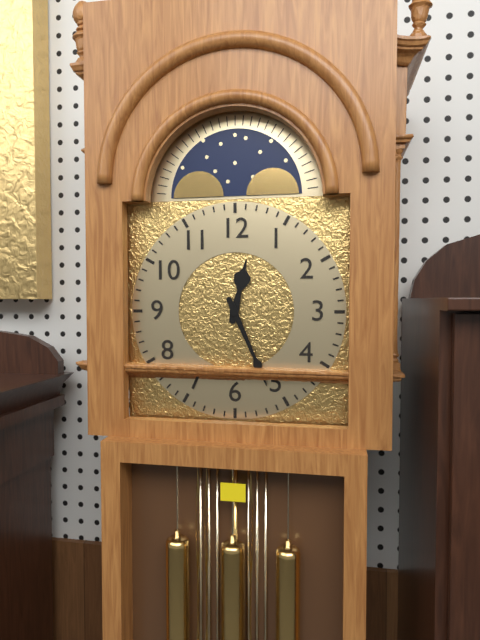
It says 12:26
